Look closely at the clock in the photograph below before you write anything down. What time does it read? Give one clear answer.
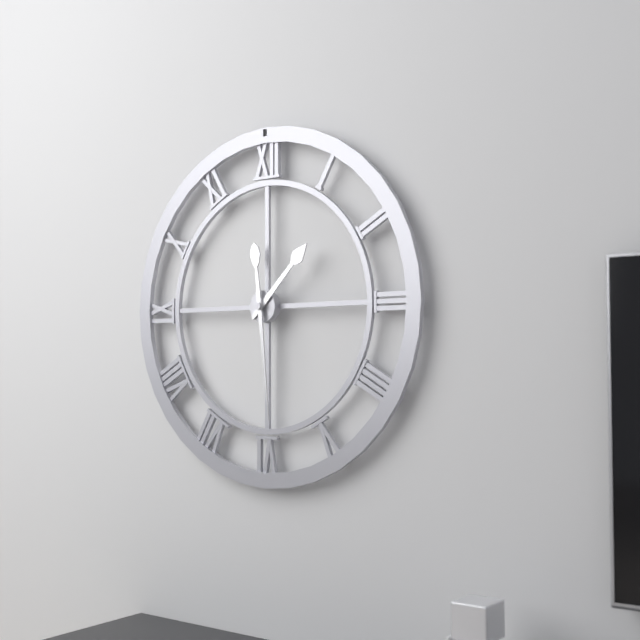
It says 1:29
